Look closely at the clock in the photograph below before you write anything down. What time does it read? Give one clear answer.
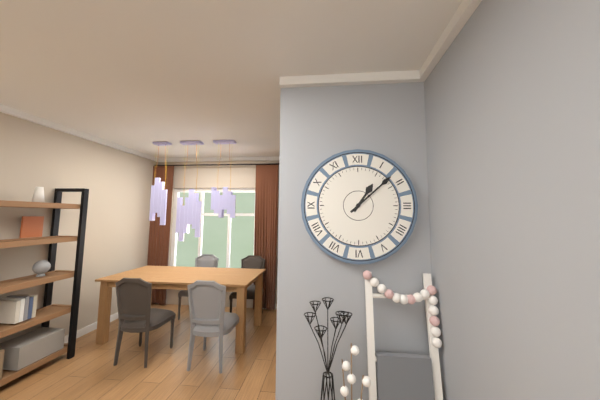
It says 1:08
